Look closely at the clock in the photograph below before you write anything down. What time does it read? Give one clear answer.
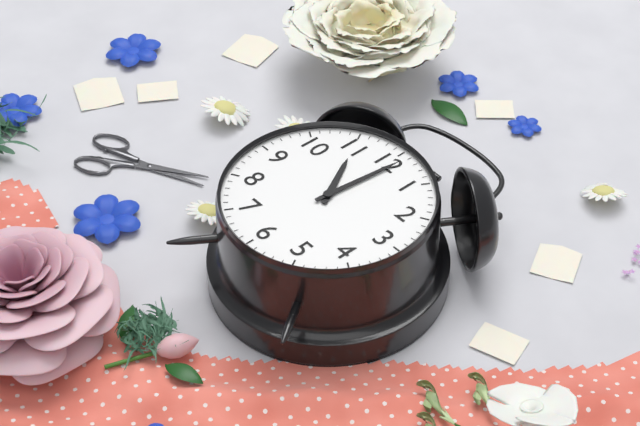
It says 11:01
